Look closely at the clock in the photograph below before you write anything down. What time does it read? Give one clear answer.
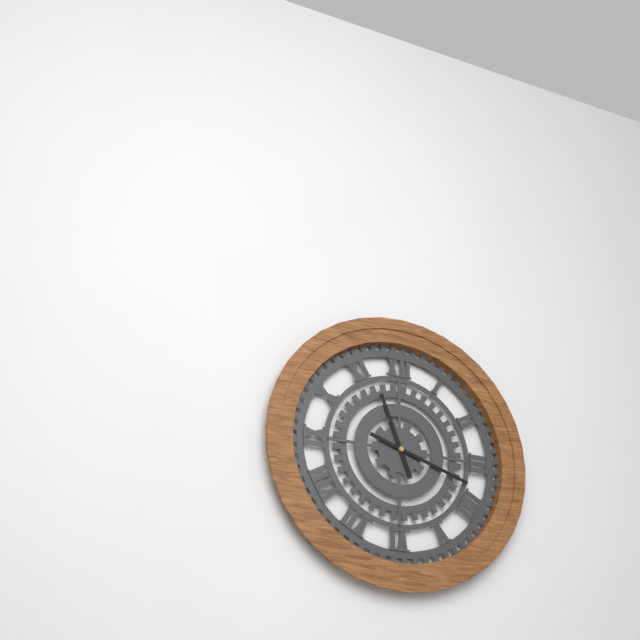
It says 11:18
